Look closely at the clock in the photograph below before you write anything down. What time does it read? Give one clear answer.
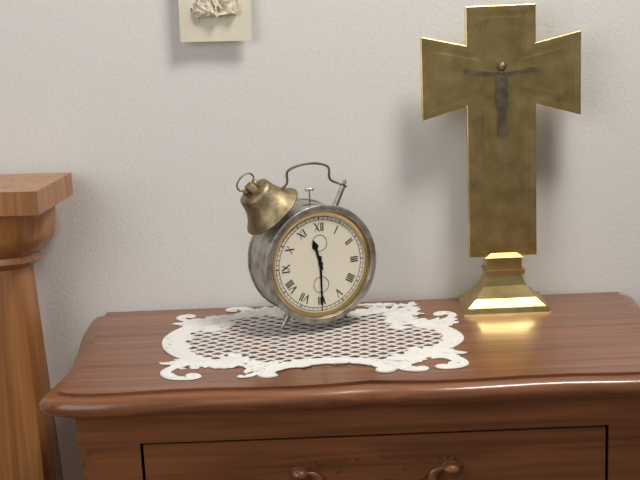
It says 11:30
